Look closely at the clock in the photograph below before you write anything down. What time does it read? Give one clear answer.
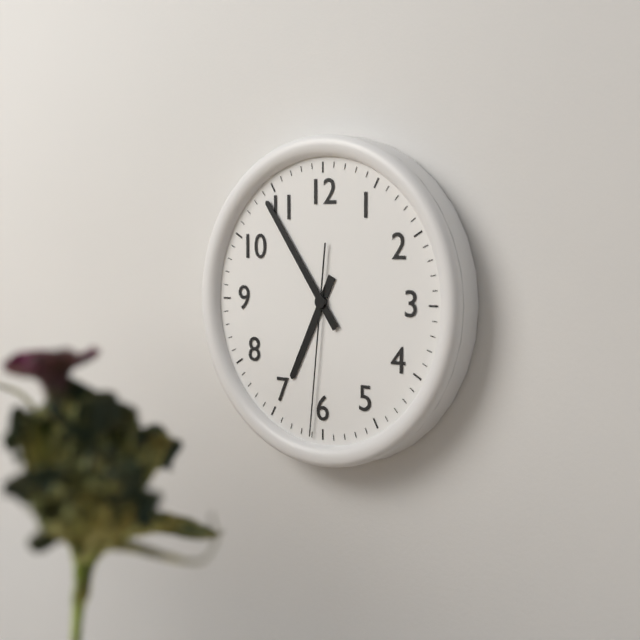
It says 6:54:31
